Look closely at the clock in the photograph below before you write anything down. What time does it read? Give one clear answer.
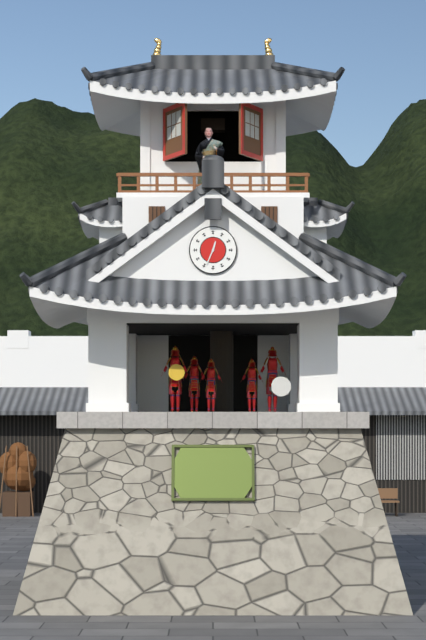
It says 12:34
